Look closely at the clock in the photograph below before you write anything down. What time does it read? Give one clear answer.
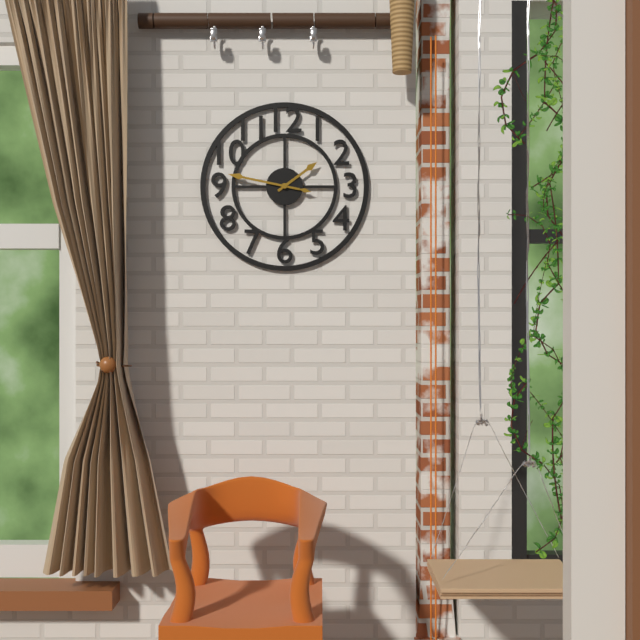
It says 1:47
